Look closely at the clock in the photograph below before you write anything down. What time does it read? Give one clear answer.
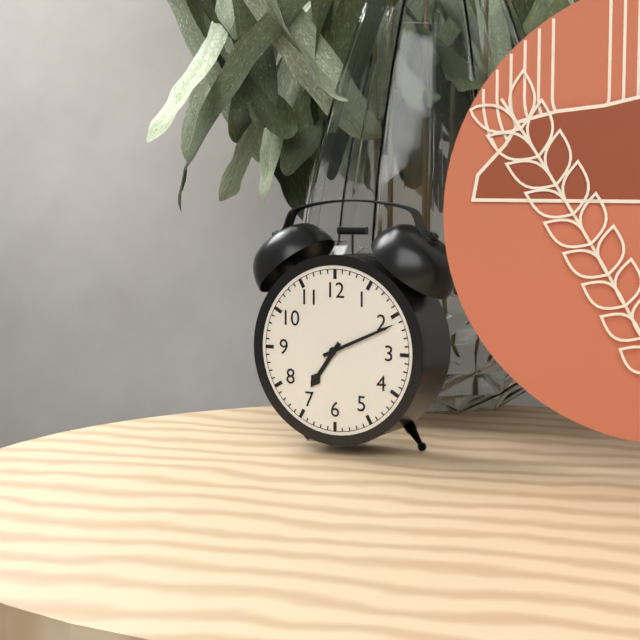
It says 7:11
